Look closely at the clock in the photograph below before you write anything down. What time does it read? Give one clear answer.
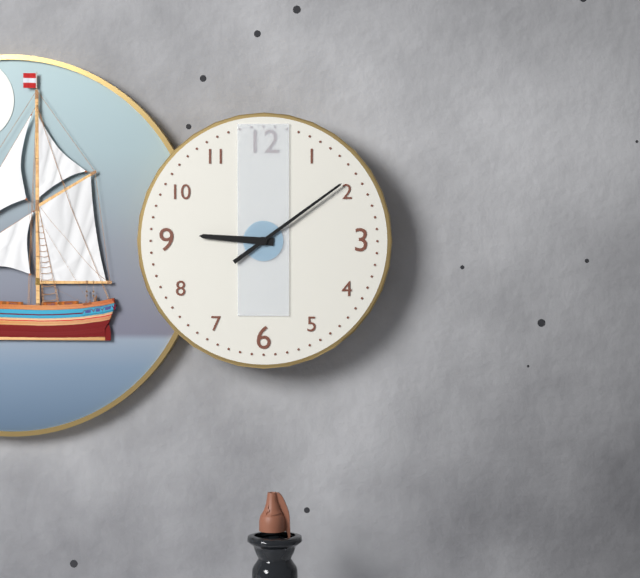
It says 9:09
